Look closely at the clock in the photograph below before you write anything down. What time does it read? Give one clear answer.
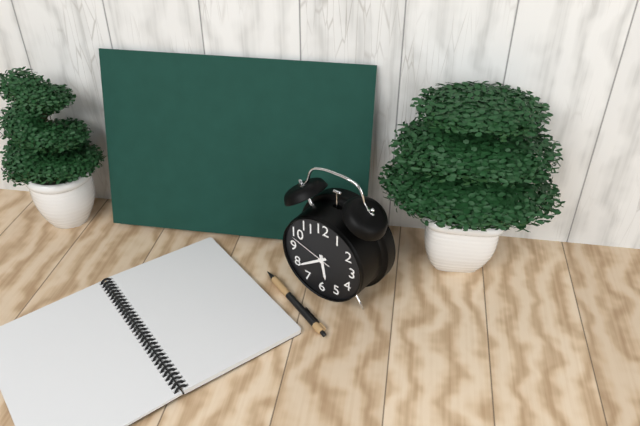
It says 5:39
